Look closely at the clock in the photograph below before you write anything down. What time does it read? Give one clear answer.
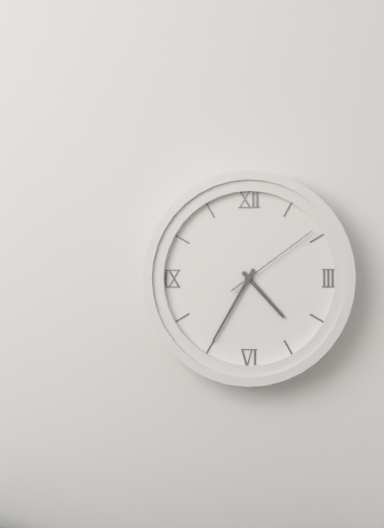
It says 4:35:09
